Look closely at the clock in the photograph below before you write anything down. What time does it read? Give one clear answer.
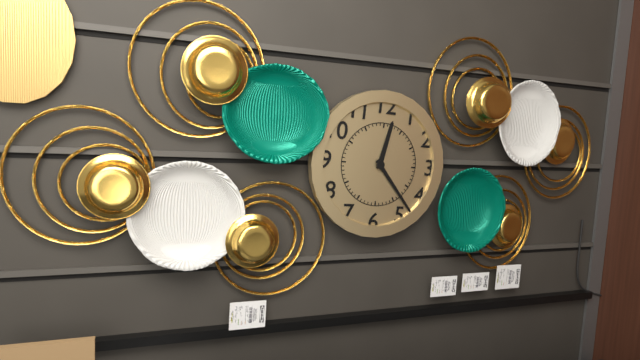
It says 12:23
